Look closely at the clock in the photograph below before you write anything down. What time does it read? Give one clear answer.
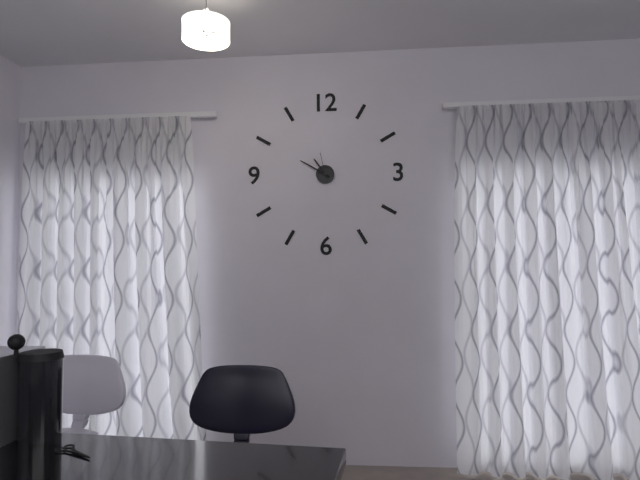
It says 10:50
